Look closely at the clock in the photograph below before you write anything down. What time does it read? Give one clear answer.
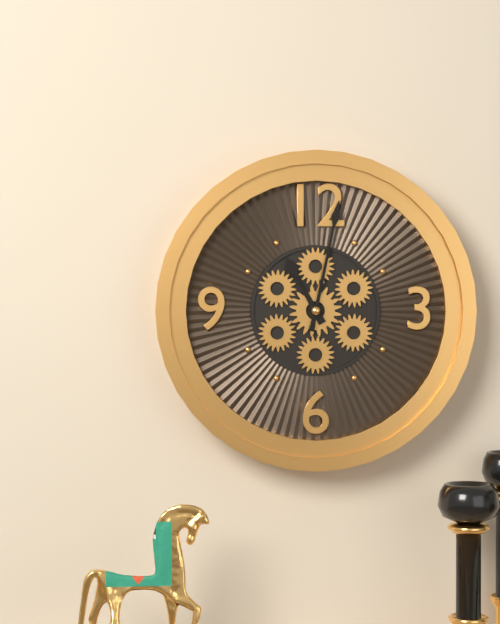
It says 11:02
